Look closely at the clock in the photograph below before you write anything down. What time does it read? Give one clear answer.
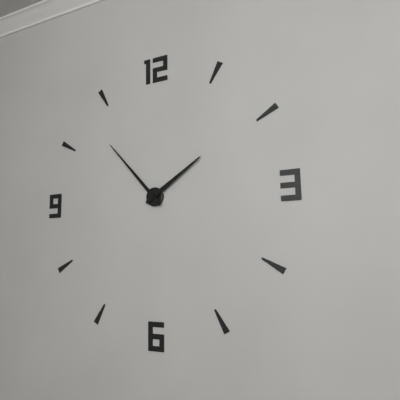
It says 1:53
